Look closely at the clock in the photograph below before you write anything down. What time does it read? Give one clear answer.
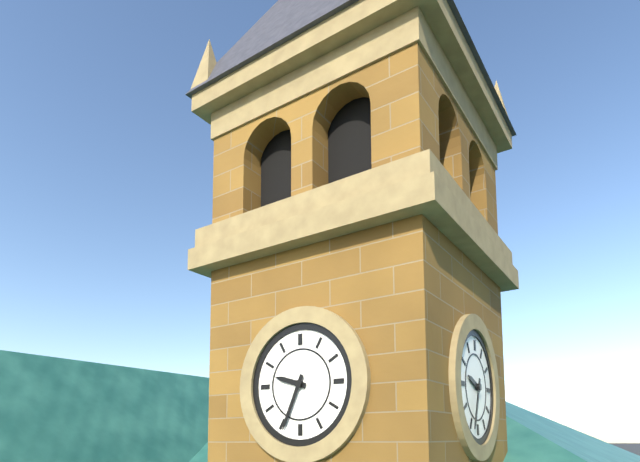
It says 9:34
